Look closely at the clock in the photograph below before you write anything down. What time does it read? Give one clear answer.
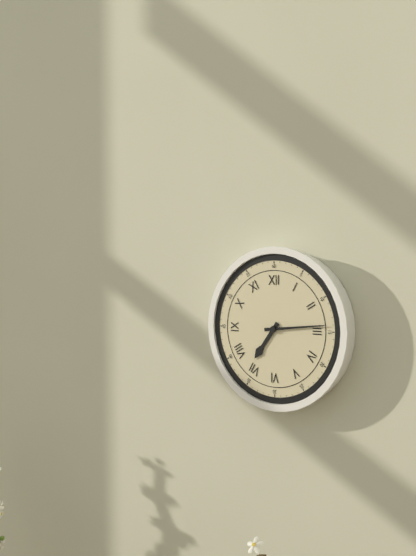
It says 7:14
